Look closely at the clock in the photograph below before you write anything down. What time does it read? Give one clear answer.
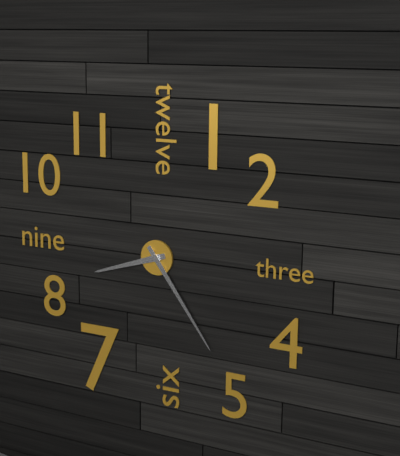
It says 8:24
